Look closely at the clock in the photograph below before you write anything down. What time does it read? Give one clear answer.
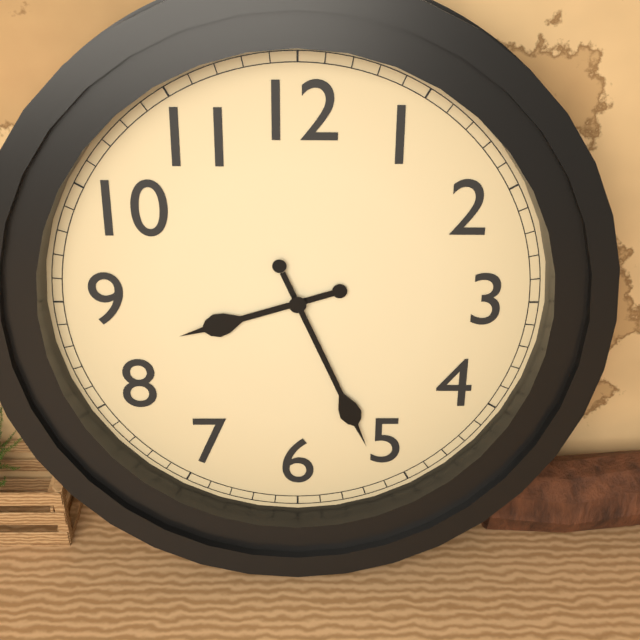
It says 8:26
